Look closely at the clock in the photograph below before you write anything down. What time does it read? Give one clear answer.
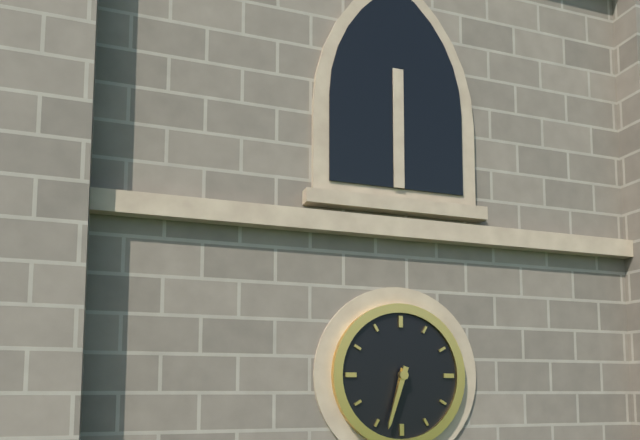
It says 6:33
